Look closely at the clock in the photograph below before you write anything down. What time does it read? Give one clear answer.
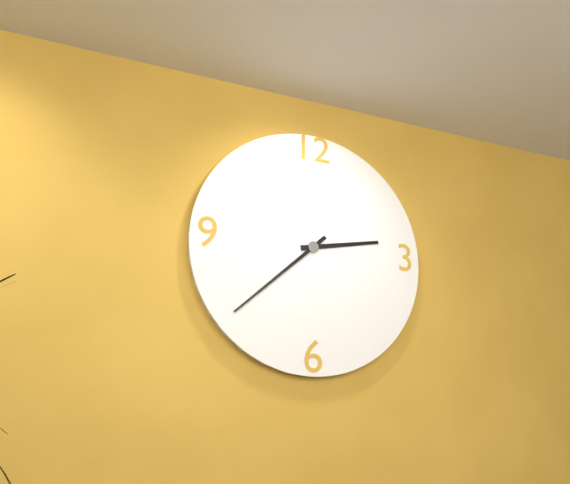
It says 2:38
